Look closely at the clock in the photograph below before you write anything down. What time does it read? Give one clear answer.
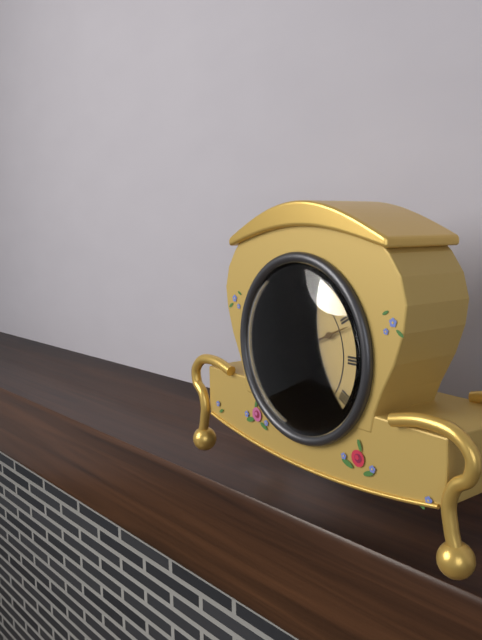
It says 7:11
